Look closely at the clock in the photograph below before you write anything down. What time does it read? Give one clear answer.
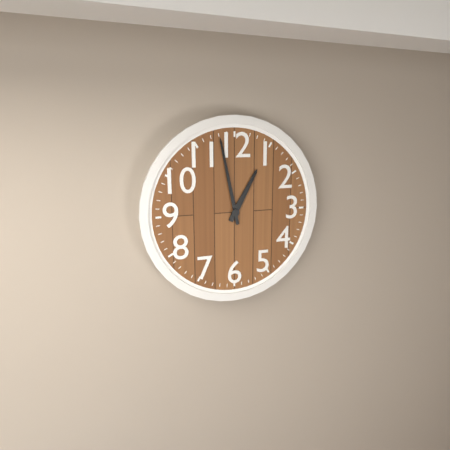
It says 12:58
